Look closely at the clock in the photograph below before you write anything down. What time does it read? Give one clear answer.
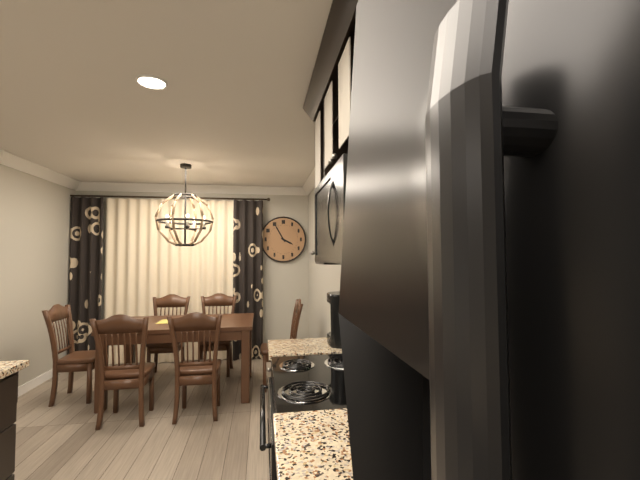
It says 3:55
